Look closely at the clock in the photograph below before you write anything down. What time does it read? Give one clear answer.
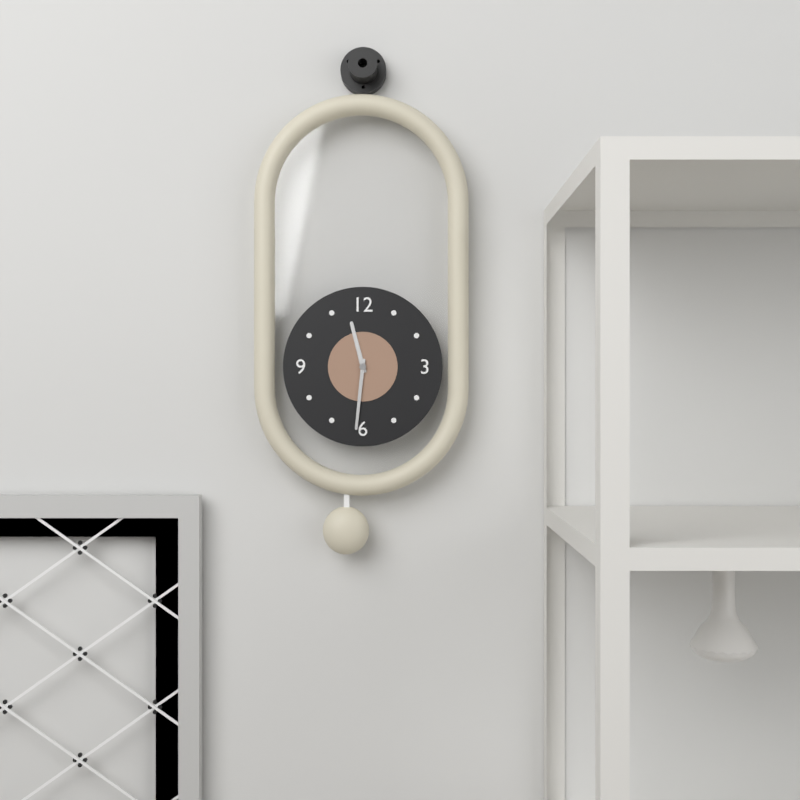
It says 11:31
